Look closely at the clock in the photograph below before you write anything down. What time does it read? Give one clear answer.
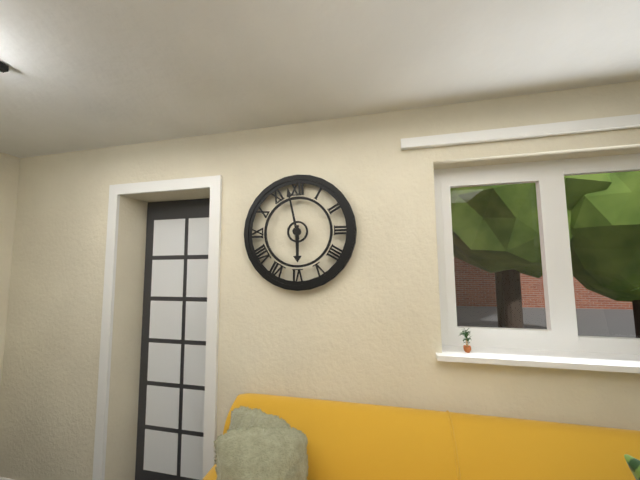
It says 5:58
